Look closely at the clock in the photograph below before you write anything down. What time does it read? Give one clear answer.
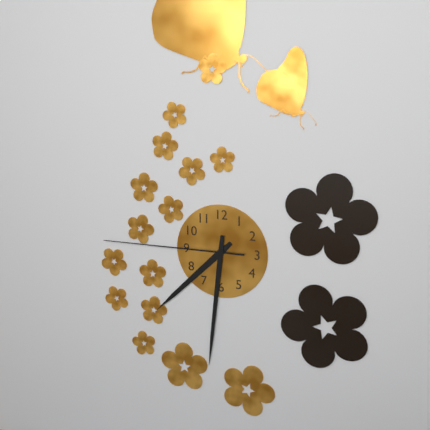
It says 7:31:45
